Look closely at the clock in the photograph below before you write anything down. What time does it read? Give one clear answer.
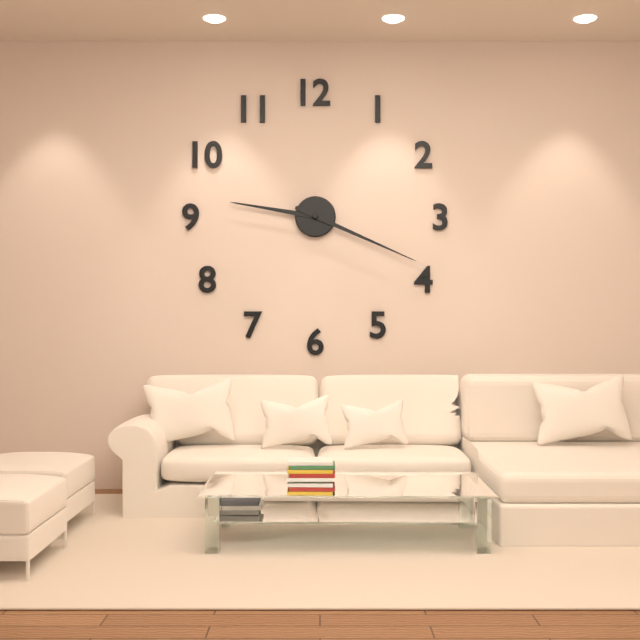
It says 9:19
